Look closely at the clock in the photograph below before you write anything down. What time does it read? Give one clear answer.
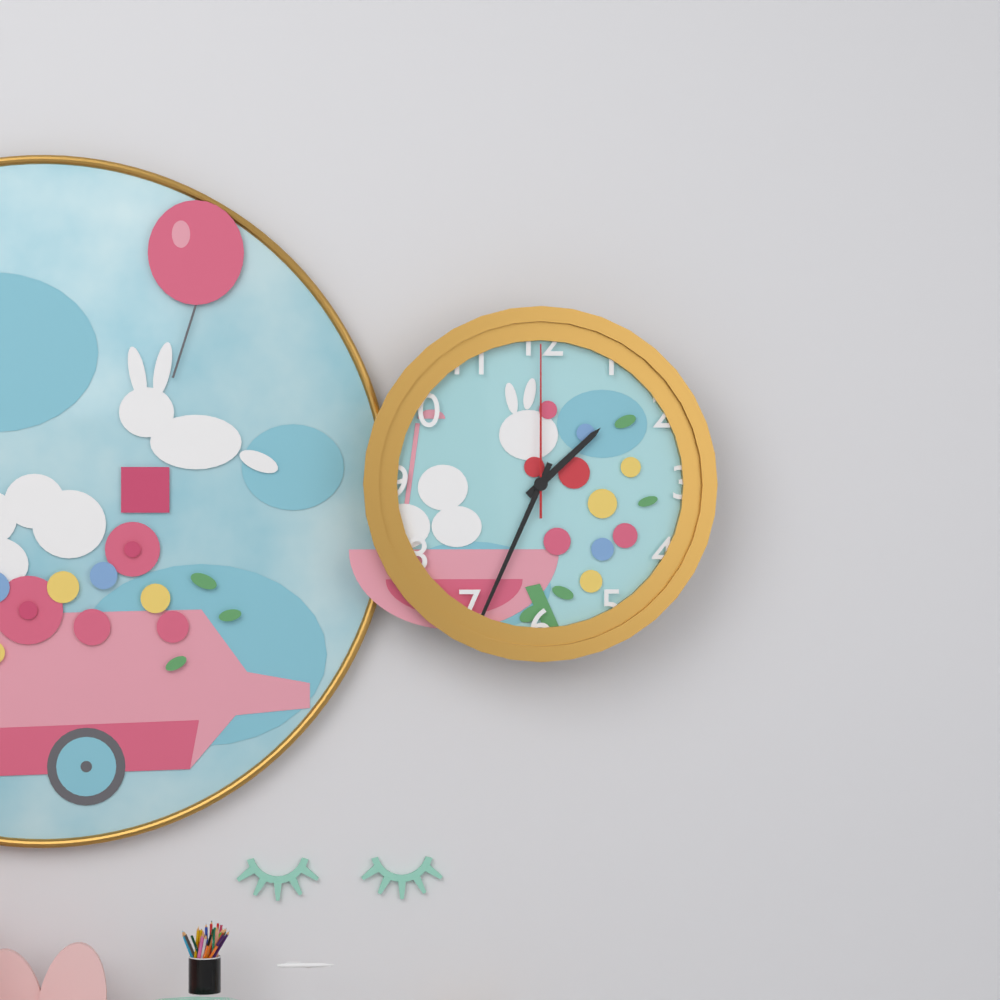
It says 1:34:00
